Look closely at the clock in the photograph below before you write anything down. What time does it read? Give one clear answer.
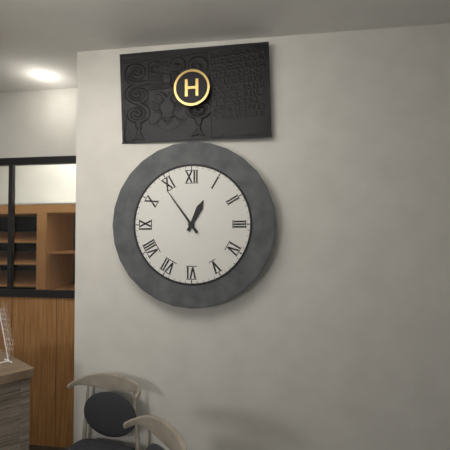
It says 12:54
